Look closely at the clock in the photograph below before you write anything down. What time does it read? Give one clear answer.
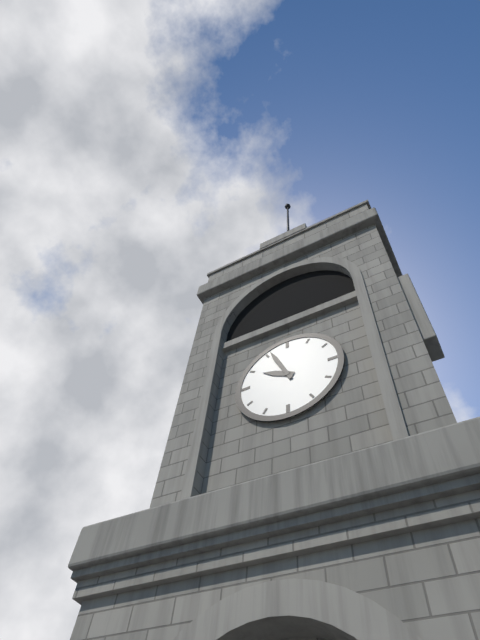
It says 9:56
